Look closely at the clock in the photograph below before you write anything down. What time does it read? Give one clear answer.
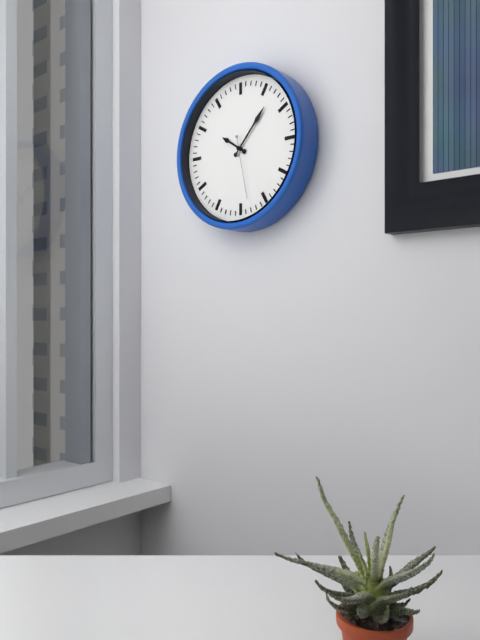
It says 10:07:28
